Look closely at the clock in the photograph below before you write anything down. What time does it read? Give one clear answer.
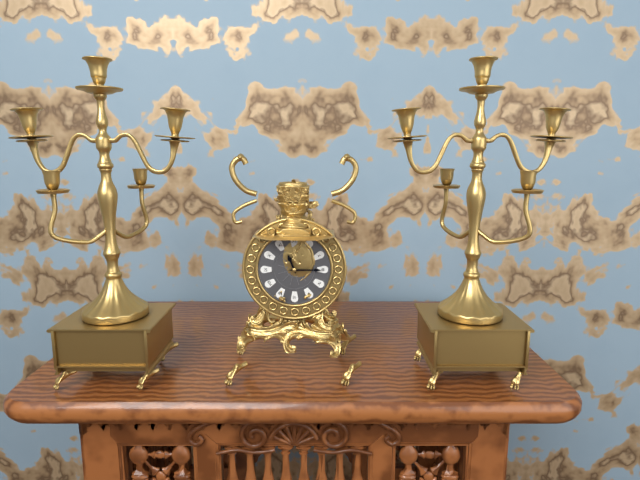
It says 11:15
